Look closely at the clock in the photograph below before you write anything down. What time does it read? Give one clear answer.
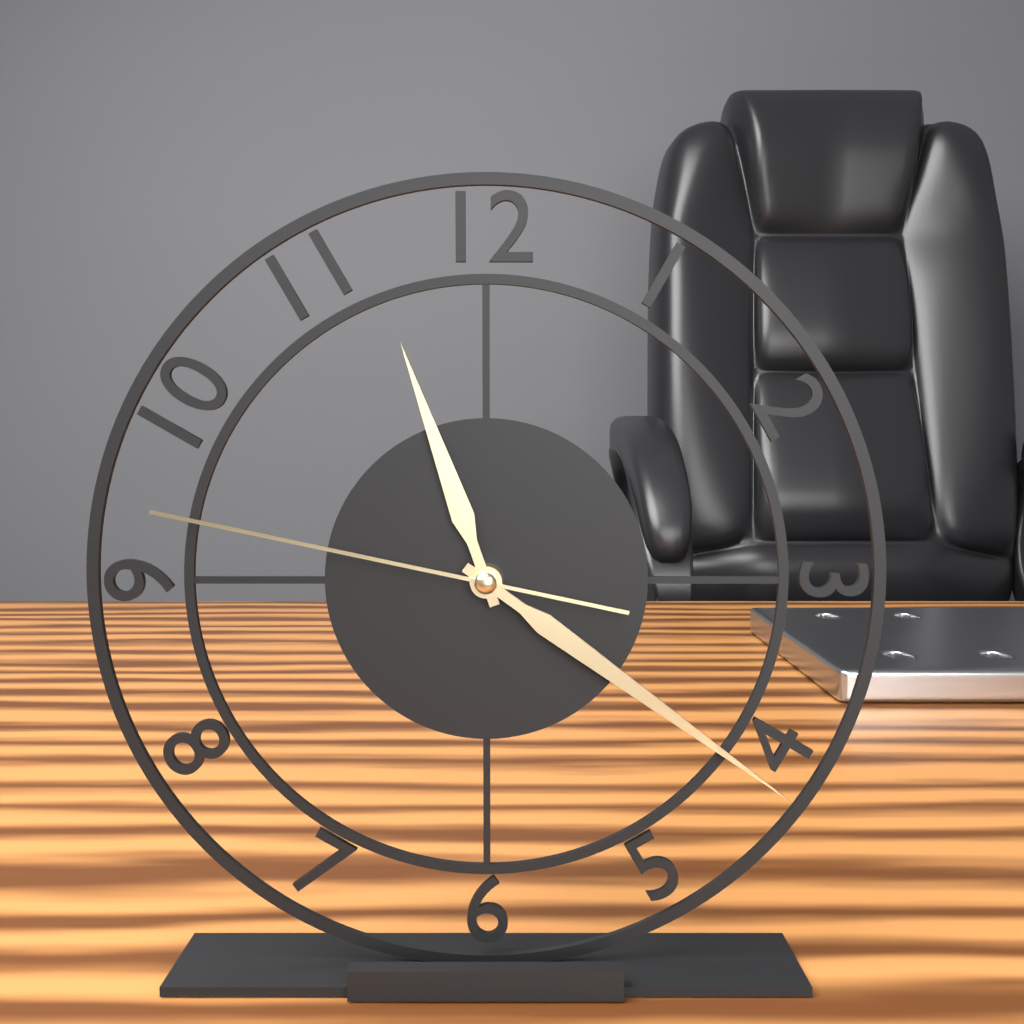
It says 11:21:47
